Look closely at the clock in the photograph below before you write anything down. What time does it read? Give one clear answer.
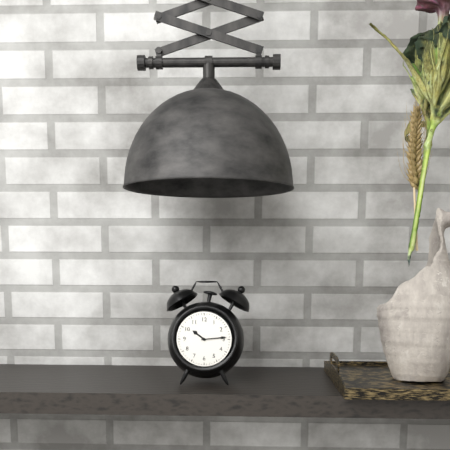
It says 10:14
